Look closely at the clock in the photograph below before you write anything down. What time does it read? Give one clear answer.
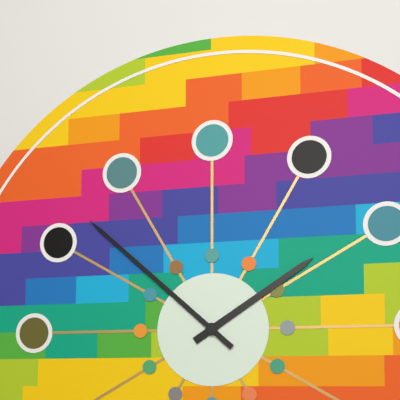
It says 1:52
